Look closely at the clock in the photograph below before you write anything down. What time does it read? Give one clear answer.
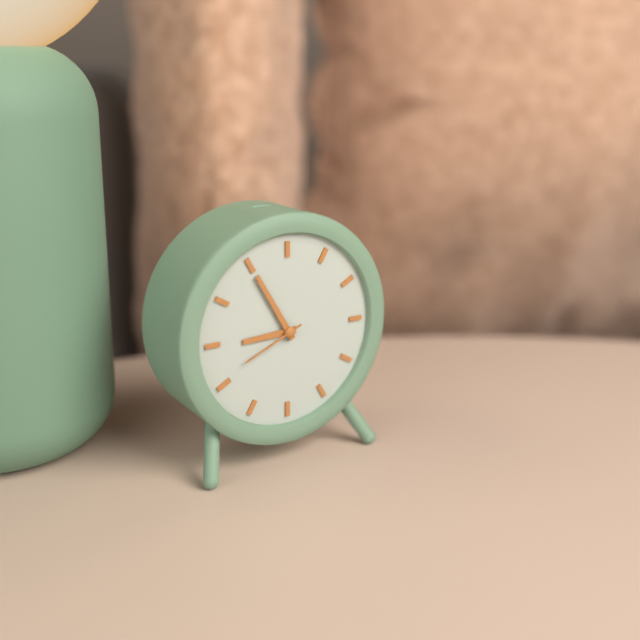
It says 8:55:41
